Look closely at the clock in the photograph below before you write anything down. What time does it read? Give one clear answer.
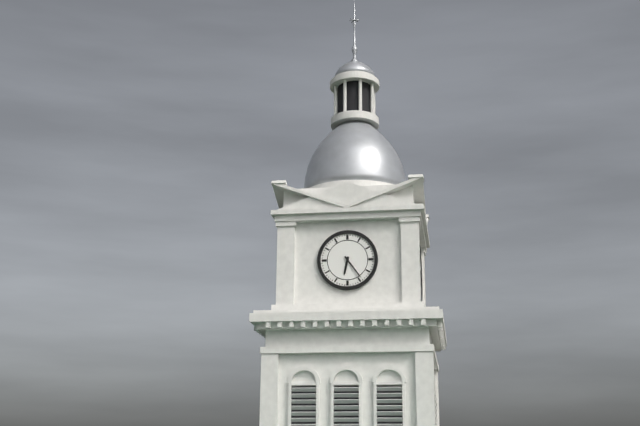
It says 6:24
